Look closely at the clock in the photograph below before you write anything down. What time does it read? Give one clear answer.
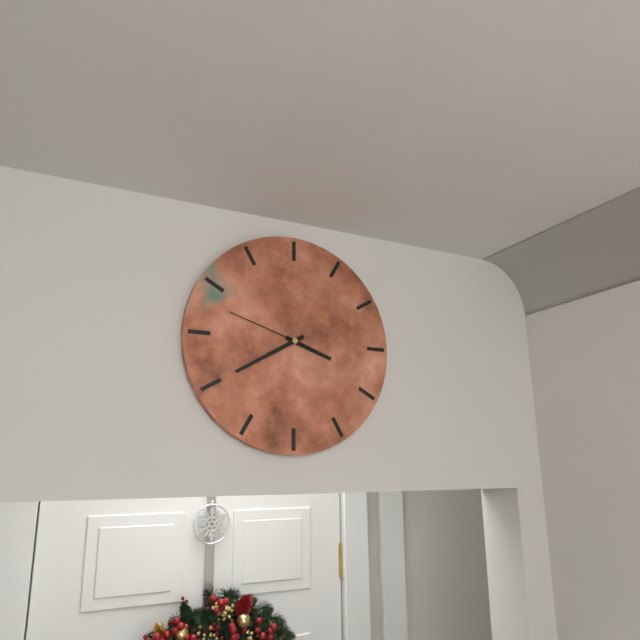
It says 3:40:48
